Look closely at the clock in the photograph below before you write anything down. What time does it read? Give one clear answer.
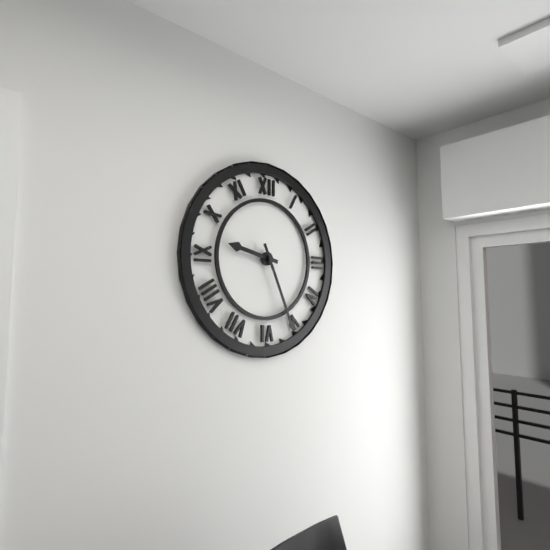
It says 9:26
